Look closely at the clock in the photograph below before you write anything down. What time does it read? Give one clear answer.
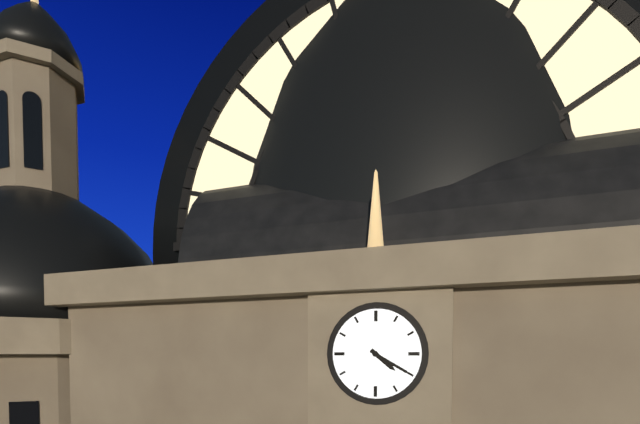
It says 4:20
